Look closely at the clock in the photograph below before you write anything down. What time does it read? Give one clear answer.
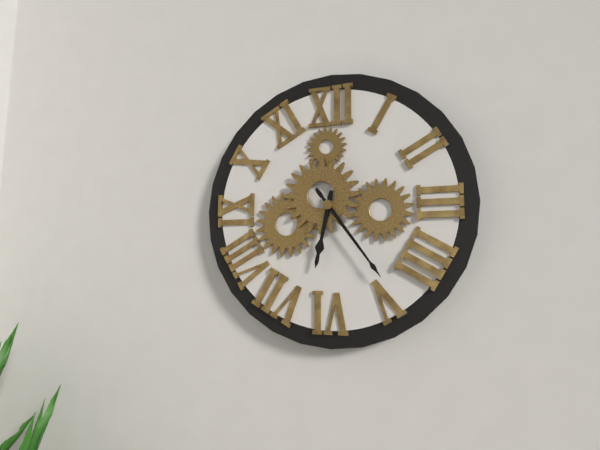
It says 6:24
